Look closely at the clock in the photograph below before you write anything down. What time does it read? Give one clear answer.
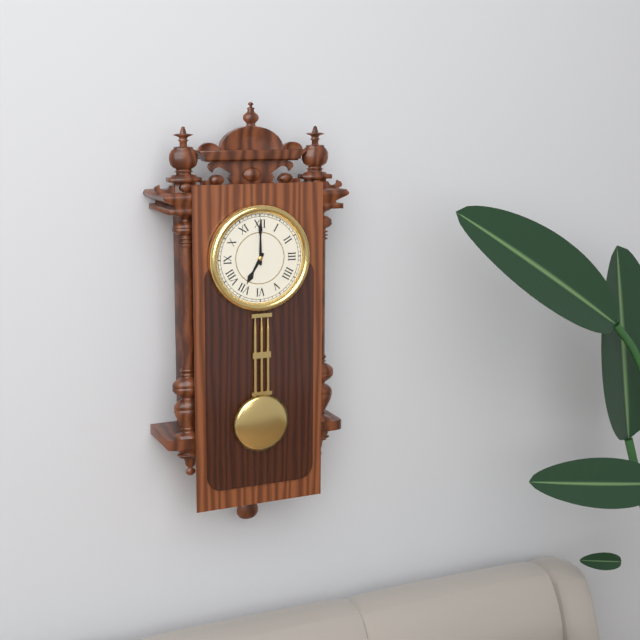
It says 7:00
